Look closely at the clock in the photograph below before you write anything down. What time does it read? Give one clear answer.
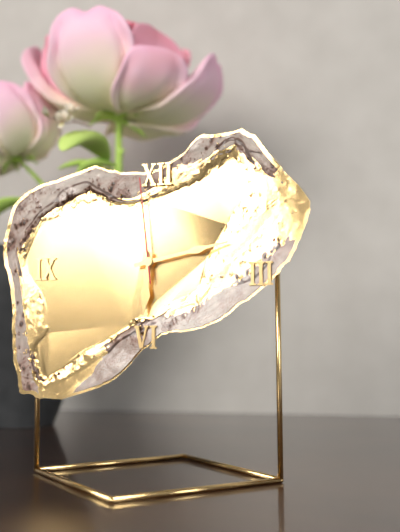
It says 6:13:59
